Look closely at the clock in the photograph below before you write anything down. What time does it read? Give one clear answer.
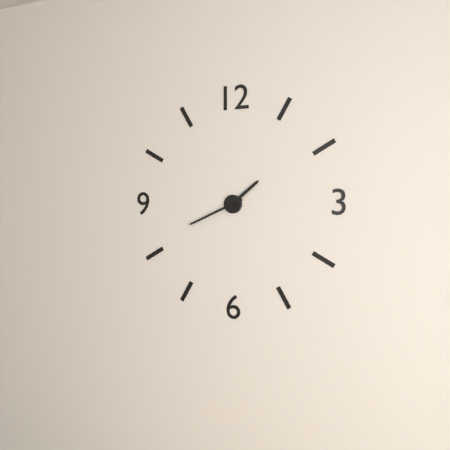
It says 1:41
